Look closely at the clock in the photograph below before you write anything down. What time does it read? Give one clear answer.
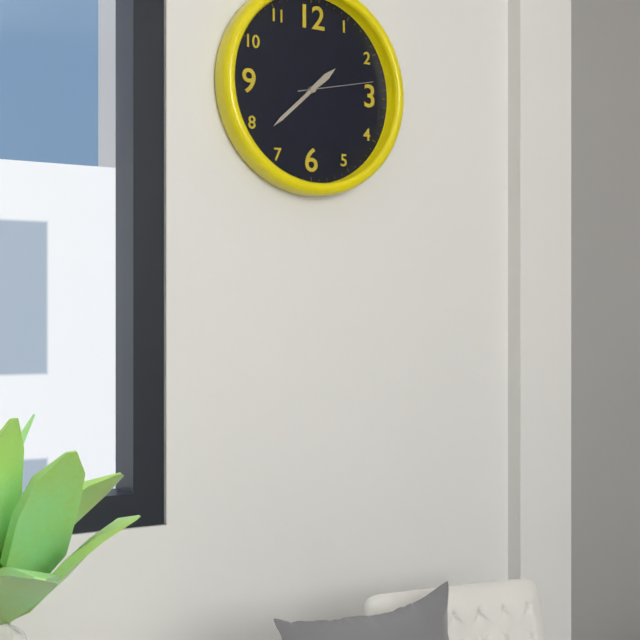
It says 1:38:13
